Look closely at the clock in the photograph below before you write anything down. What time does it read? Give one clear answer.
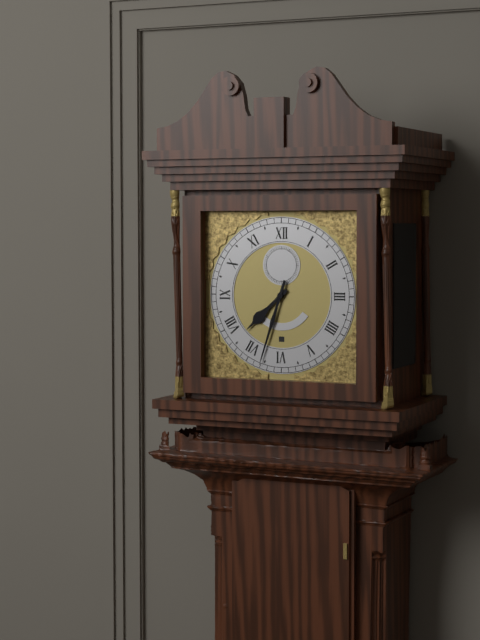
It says 7:33
